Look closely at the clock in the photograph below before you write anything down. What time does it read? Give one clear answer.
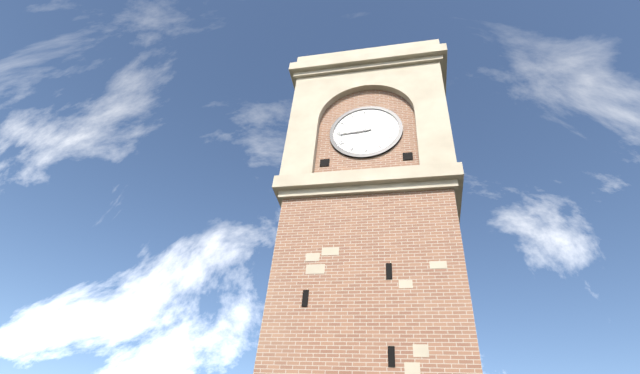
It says 8:44
